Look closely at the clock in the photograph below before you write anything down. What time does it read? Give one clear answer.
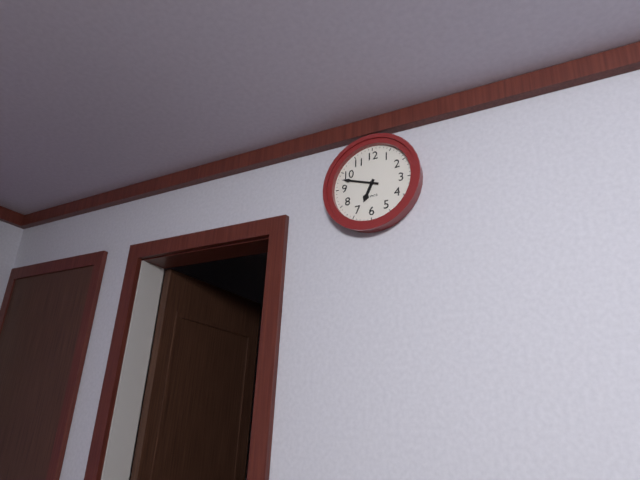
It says 6:48
